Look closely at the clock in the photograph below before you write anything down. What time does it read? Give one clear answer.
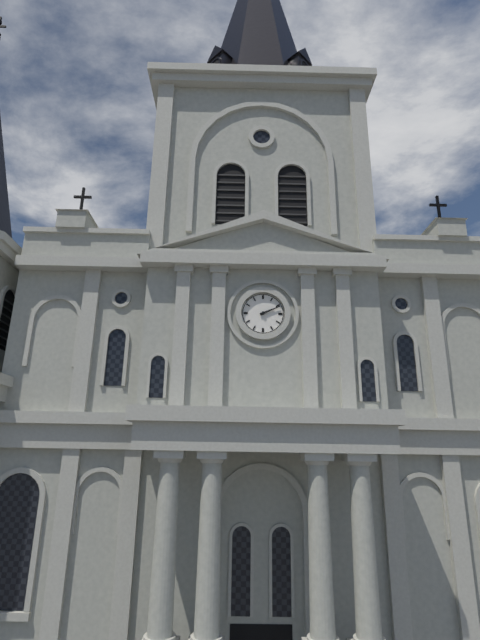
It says 2:11
